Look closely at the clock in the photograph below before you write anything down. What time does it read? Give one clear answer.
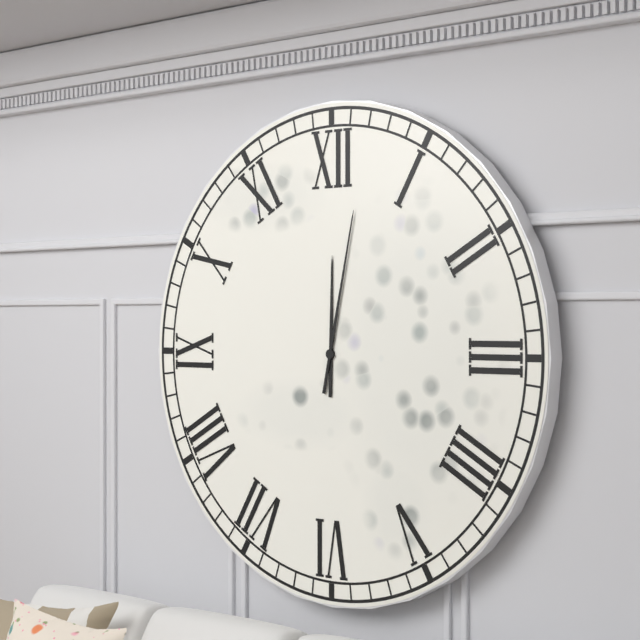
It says 12:02
